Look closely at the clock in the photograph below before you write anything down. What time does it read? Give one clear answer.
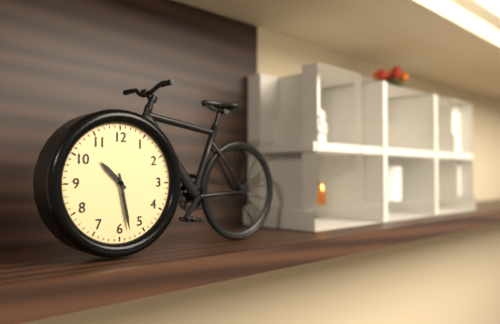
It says 10:28
